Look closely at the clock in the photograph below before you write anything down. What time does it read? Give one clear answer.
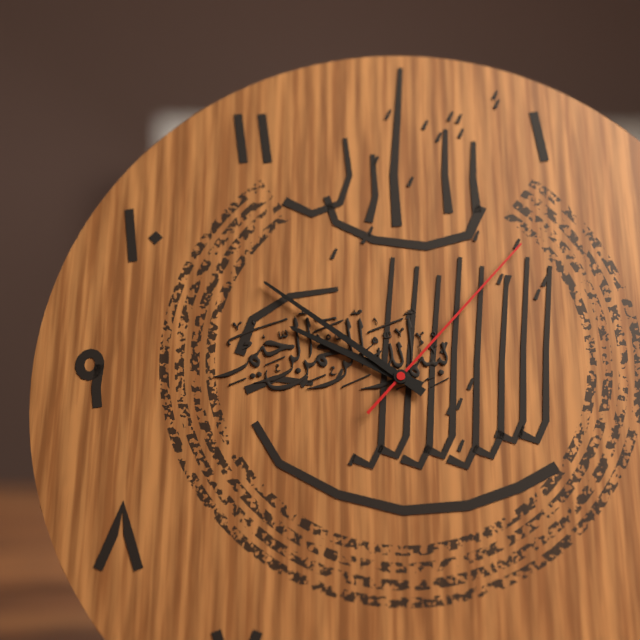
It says 9:51:07
